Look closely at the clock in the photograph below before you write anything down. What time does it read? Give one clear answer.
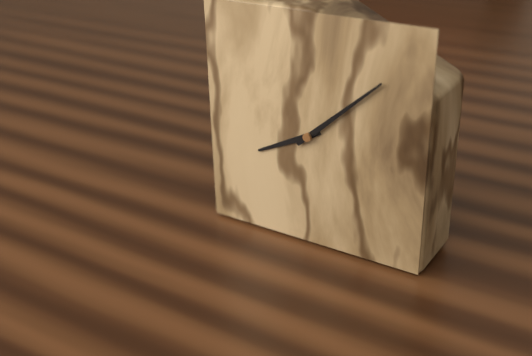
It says 8:08
